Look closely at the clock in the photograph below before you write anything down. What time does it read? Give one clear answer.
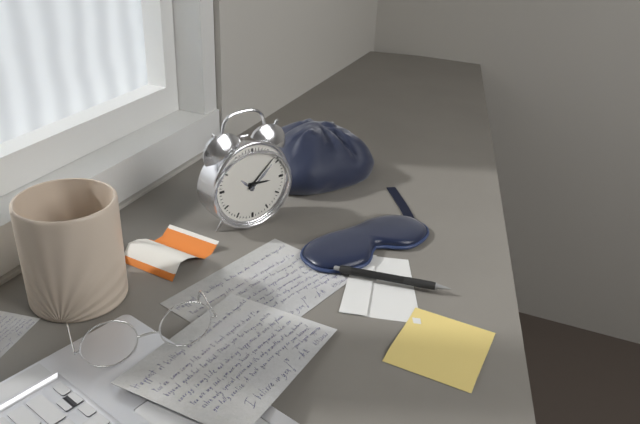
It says 3:08
